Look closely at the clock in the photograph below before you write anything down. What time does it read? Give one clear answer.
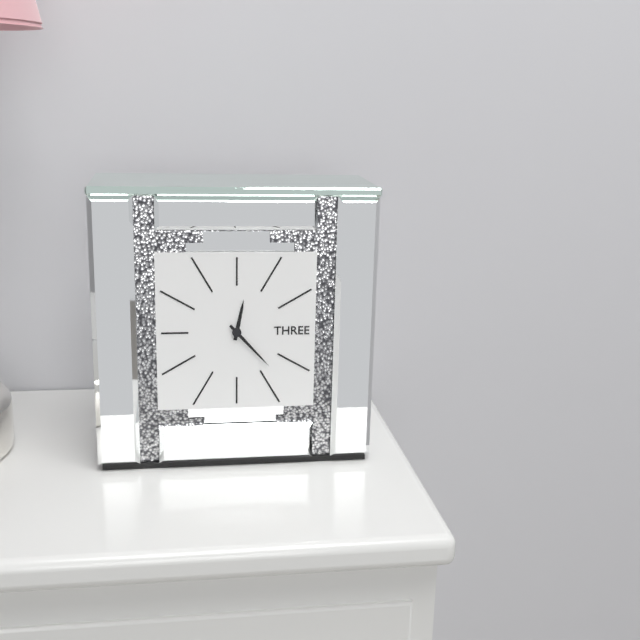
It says 12:23
